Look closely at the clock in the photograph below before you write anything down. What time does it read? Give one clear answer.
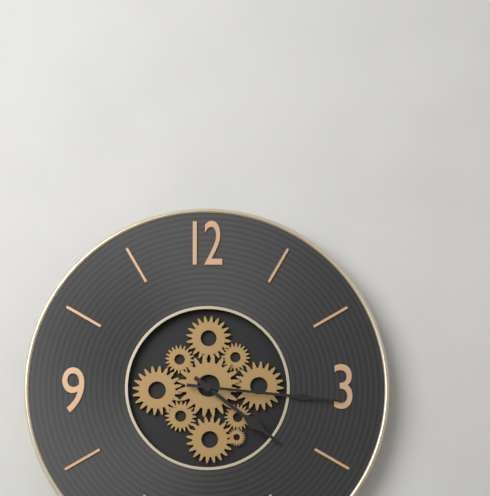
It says 4:16
